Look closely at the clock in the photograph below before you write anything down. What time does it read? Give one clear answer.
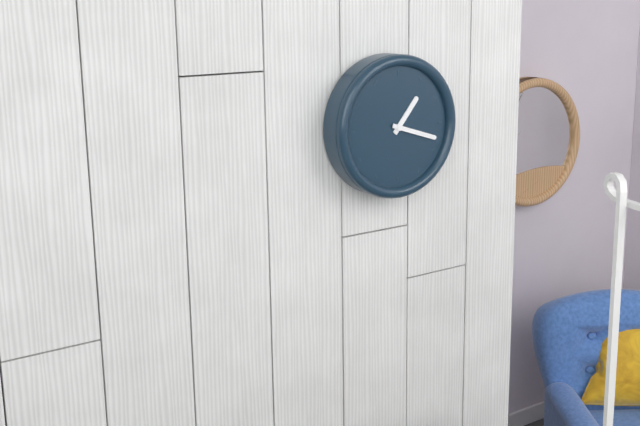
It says 1:18
